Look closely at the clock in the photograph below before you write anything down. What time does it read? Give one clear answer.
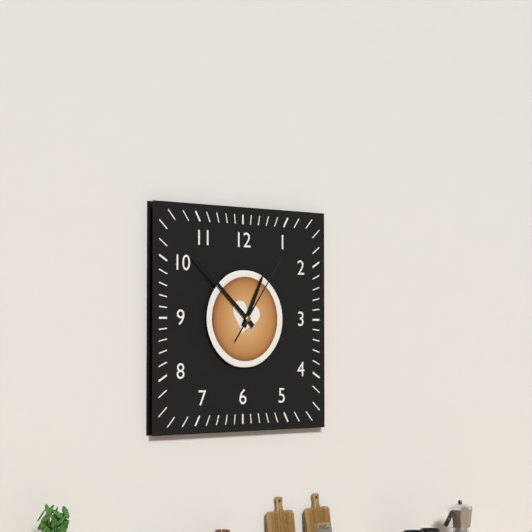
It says 12:52:06
